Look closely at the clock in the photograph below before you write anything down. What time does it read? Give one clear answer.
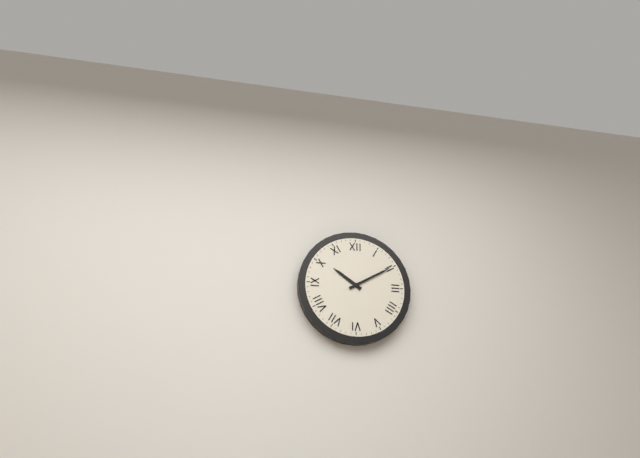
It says 10:10
